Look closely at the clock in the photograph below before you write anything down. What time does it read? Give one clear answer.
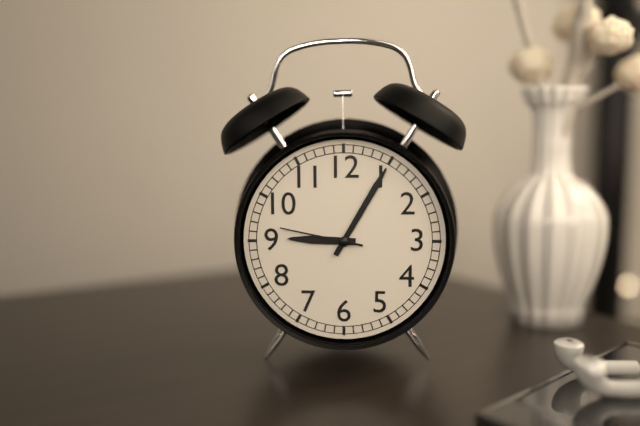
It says 9:05:47
